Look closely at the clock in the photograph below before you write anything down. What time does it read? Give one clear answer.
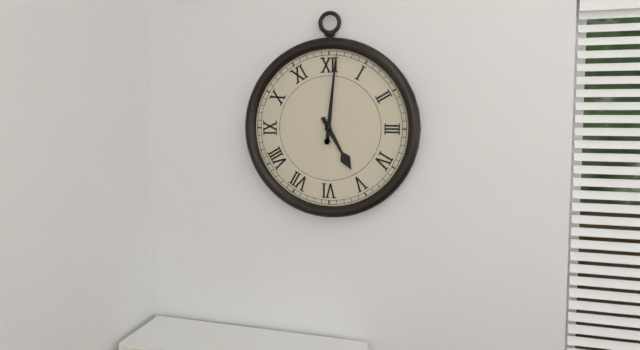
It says 5:01
